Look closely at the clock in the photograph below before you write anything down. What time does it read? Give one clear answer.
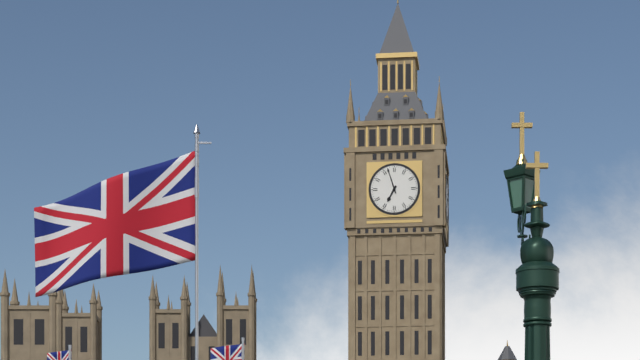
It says 6:57
